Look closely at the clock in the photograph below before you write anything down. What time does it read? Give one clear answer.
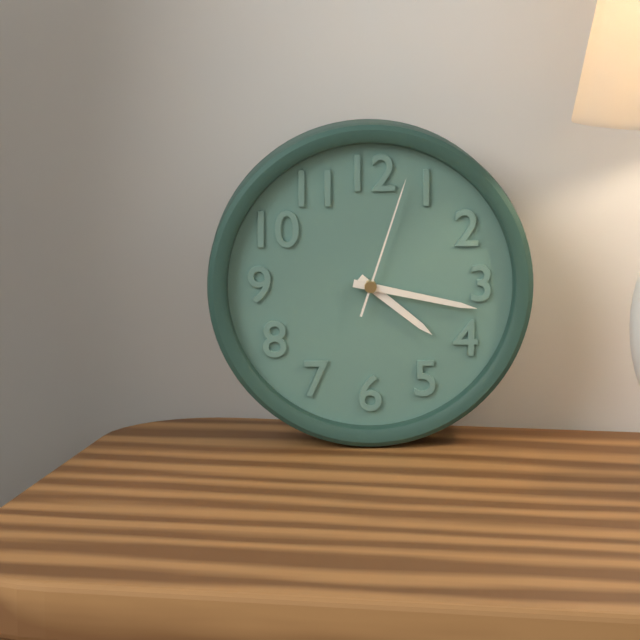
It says 4:17:03
